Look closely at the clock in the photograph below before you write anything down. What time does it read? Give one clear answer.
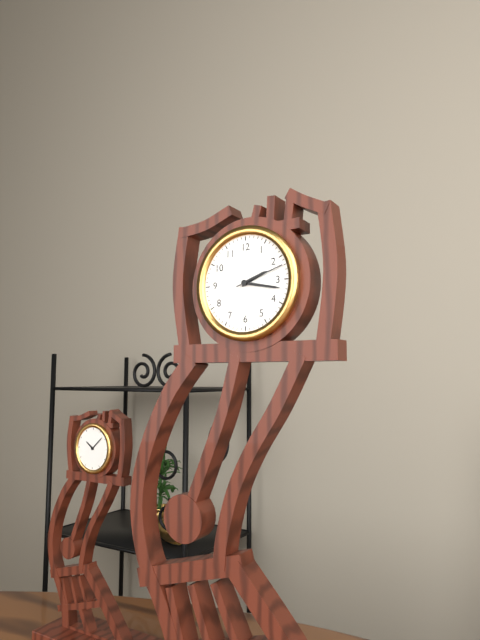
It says 2:17:12
